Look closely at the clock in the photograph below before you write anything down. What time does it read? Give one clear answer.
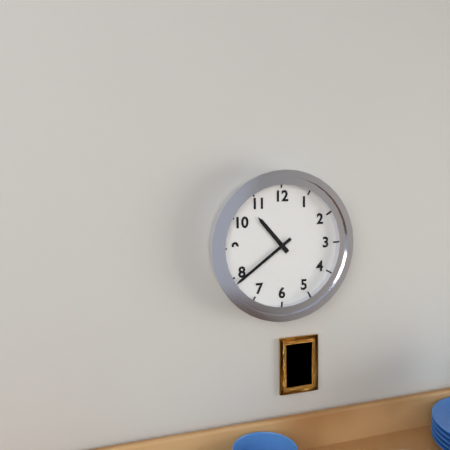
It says 10:39
